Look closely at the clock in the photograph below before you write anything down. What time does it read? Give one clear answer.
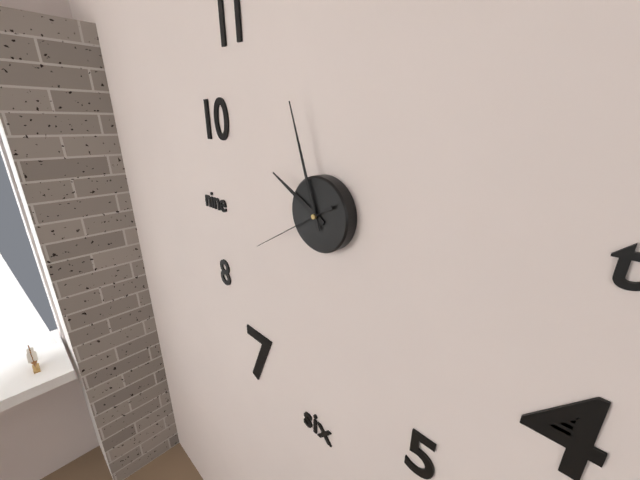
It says 9:57:40
